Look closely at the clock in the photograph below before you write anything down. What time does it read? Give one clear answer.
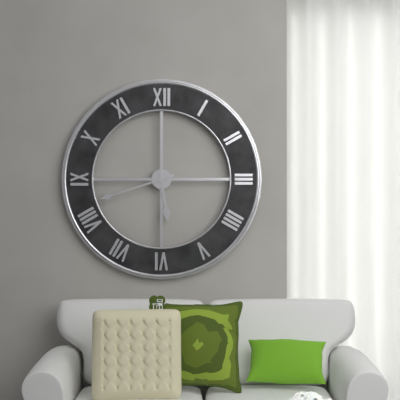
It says 5:42
